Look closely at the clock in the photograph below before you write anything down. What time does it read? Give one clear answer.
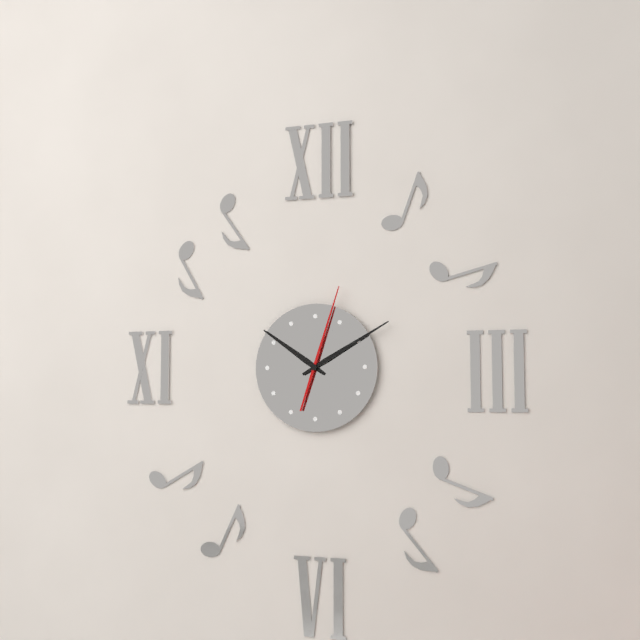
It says 10:10:03
